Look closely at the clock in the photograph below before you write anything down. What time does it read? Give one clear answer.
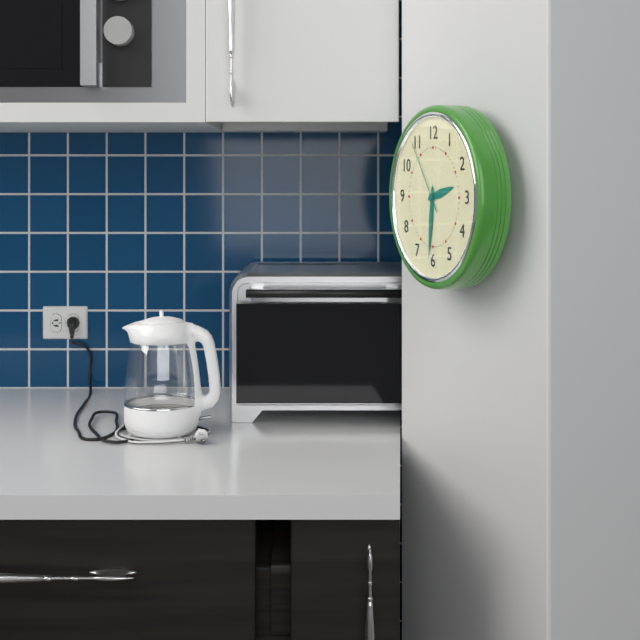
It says 2:31:54
